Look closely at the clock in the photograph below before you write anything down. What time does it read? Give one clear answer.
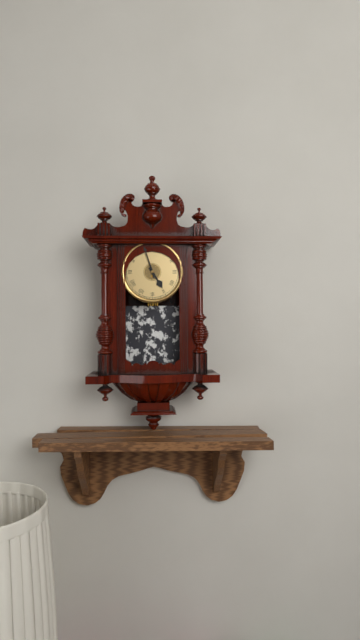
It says 4:57
